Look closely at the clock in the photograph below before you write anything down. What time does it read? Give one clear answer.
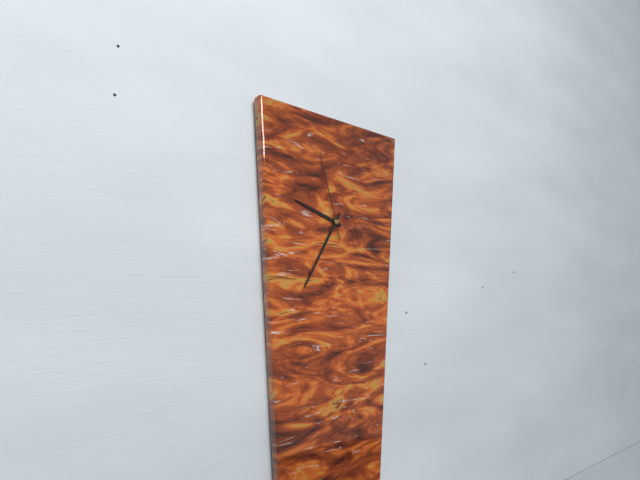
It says 9:35:57
